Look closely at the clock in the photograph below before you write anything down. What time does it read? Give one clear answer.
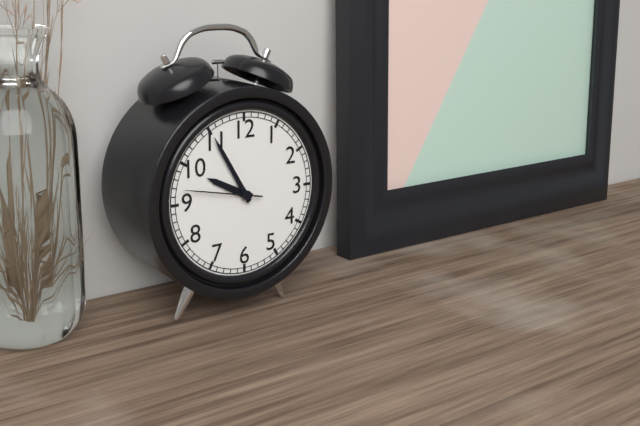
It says 9:55:47
